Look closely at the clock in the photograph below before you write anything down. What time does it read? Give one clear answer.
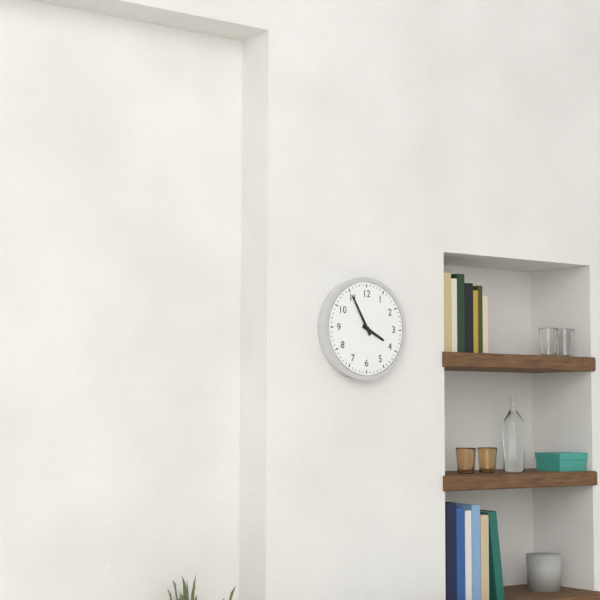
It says 3:55
